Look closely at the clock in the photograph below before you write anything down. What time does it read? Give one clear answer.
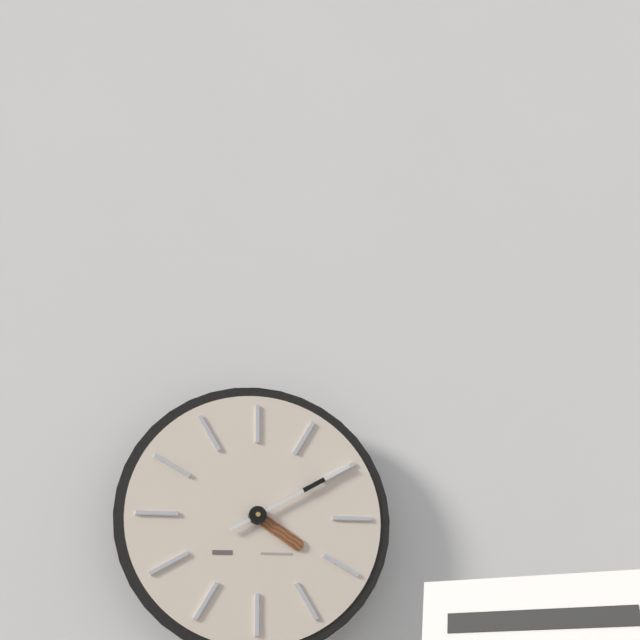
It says 4:10
